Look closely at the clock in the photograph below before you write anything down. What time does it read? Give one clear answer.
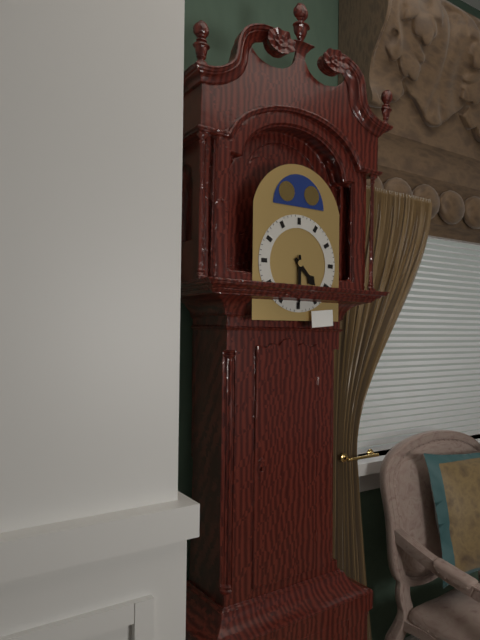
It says 4:30
